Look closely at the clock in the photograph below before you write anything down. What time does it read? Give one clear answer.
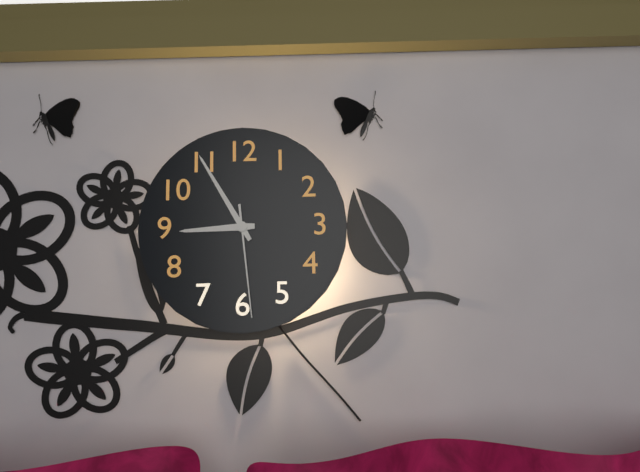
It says 8:55:29
